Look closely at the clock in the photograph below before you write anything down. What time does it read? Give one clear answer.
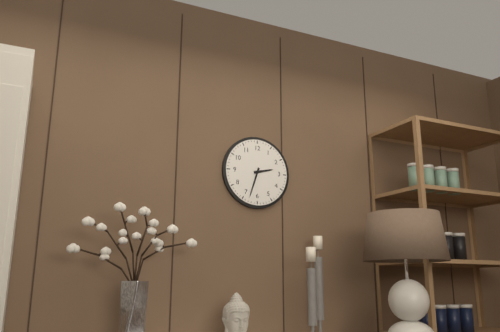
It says 2:33
